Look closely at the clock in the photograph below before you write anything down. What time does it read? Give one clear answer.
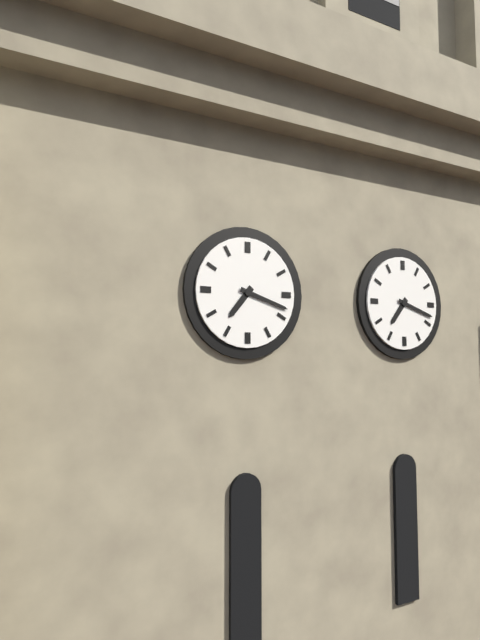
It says 7:18
